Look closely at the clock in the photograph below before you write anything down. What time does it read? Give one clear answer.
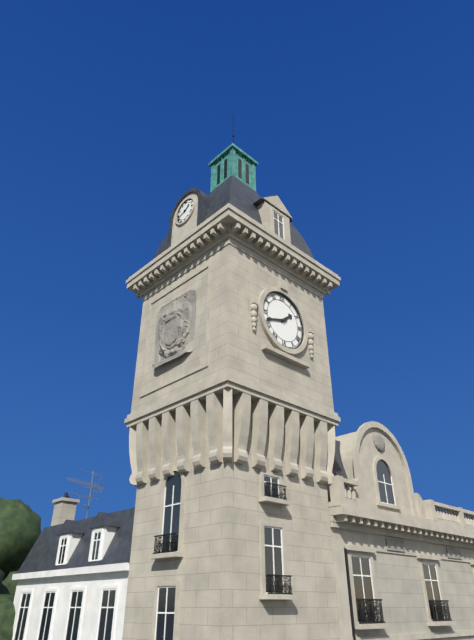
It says 1:42
